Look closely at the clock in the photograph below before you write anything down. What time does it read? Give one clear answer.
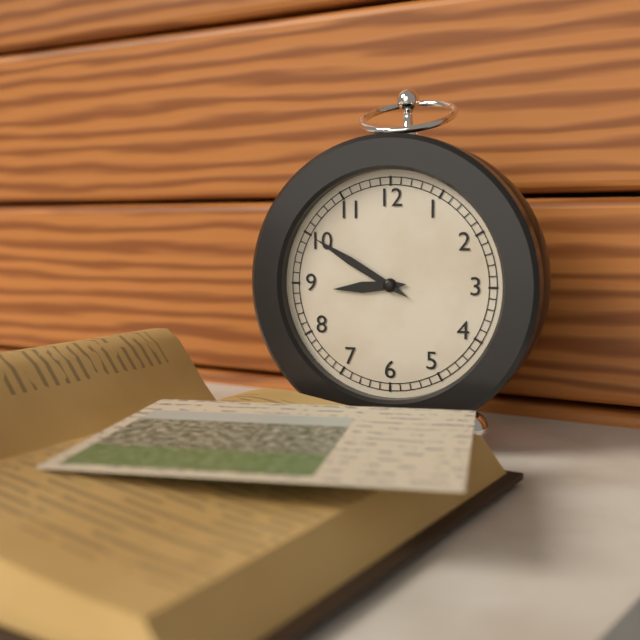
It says 8:50
